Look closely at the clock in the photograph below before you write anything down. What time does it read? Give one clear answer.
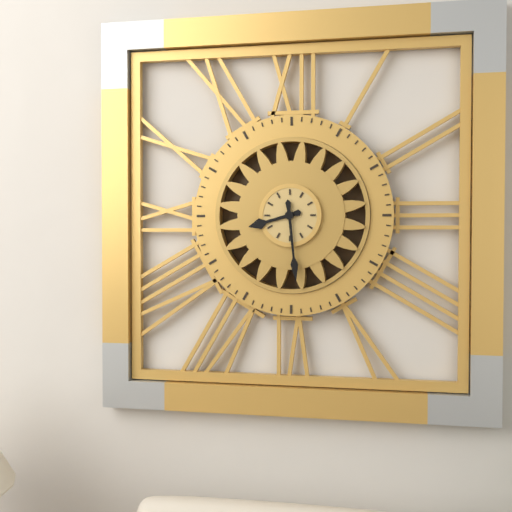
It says 8:29
